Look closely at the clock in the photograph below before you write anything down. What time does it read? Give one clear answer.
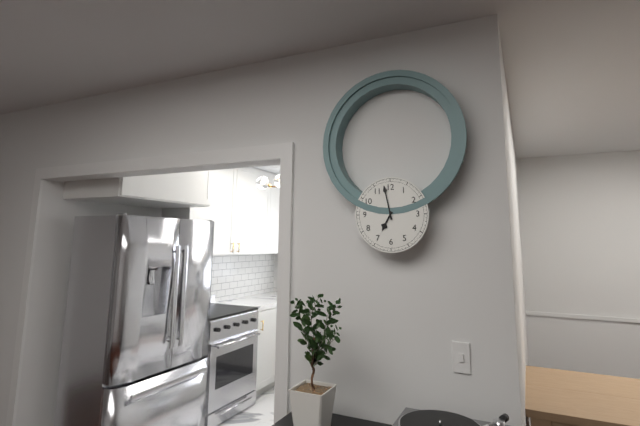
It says 6:58
